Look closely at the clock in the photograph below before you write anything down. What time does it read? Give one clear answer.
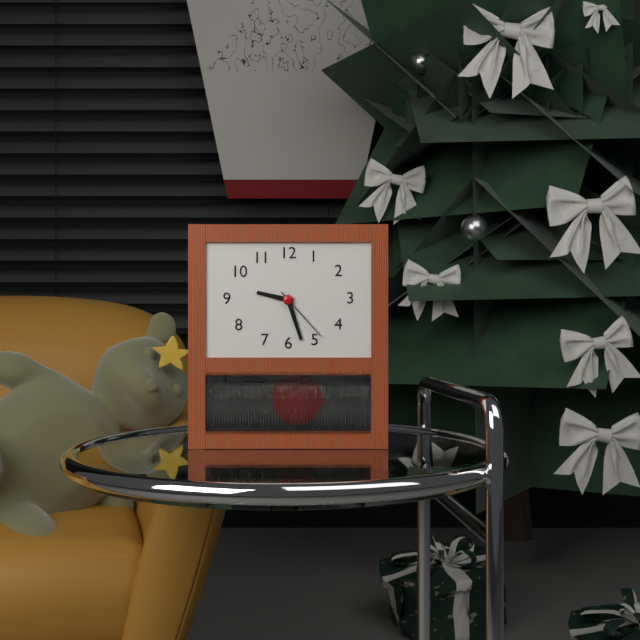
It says 9:27:23
